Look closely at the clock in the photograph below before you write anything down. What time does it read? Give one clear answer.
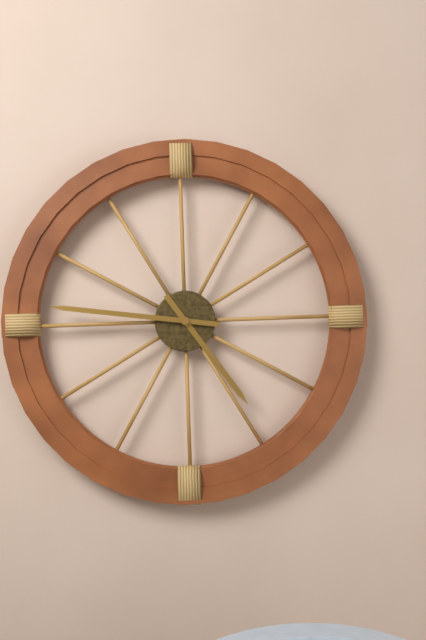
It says 4:46
